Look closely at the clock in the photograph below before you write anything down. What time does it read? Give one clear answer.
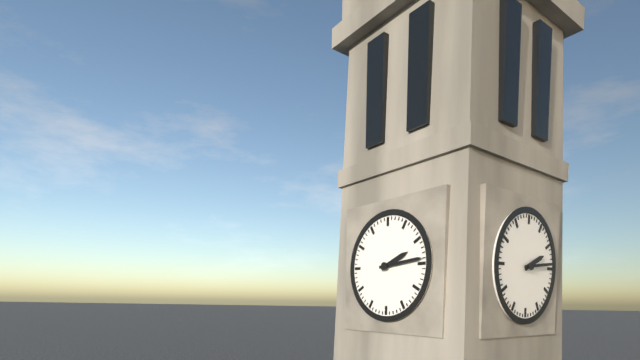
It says 2:14
